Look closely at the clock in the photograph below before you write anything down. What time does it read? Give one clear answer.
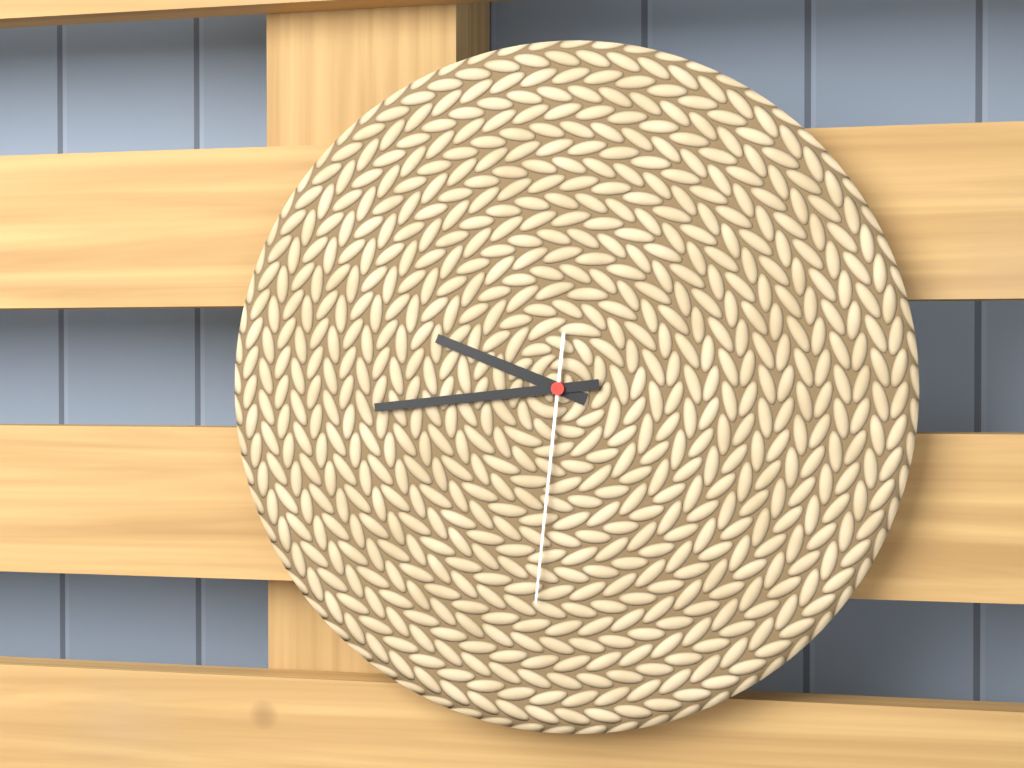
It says 9:44:31
